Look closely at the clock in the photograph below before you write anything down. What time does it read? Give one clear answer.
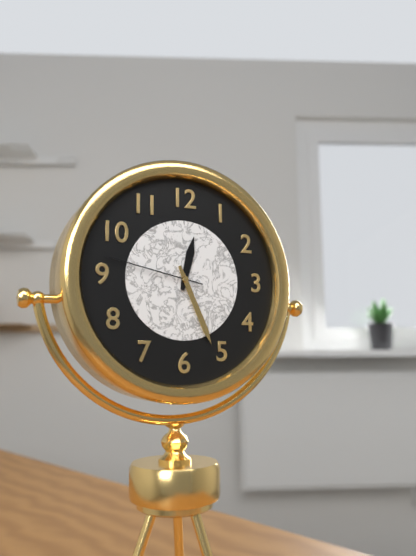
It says 12:26:47
